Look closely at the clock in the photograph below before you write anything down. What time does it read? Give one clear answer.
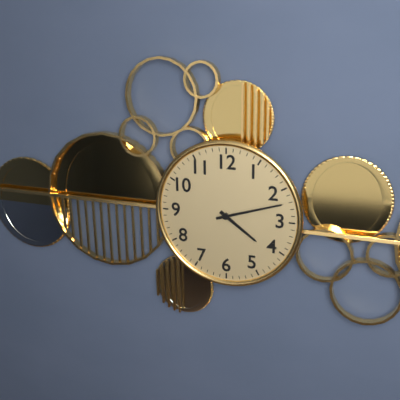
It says 4:12
